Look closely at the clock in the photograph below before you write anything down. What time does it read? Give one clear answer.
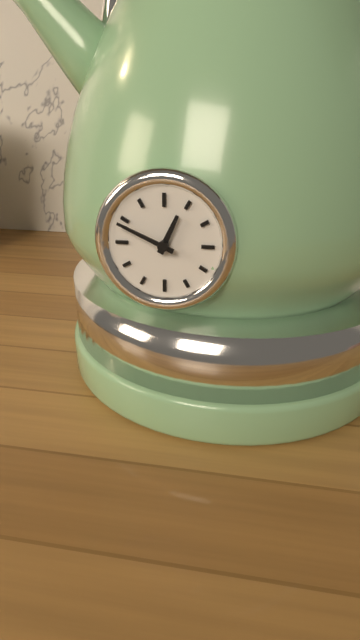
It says 12:49
